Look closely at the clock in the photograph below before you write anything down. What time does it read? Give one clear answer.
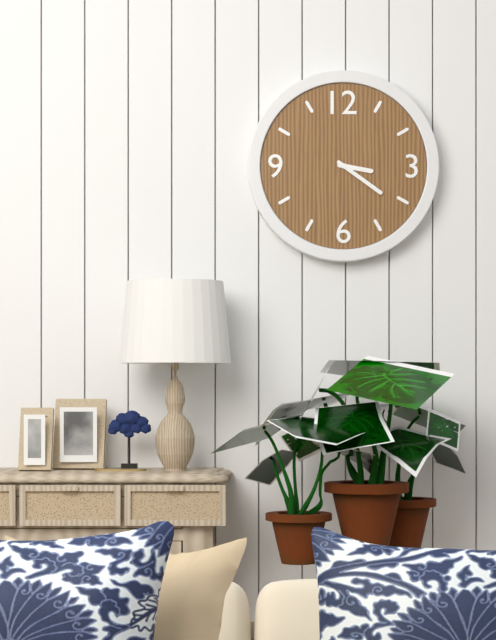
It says 3:21
